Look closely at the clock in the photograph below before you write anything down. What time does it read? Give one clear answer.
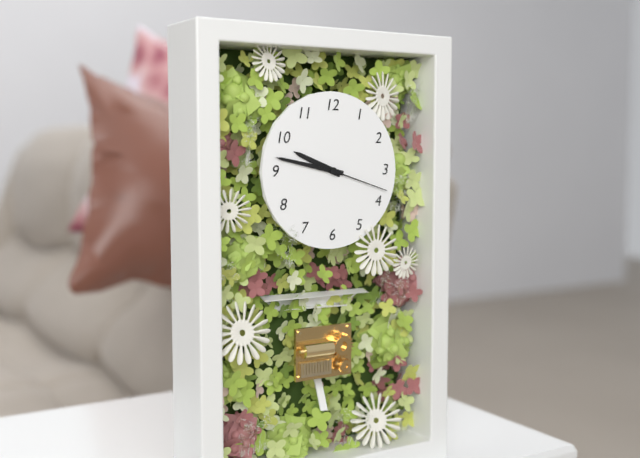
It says 9:47:18
